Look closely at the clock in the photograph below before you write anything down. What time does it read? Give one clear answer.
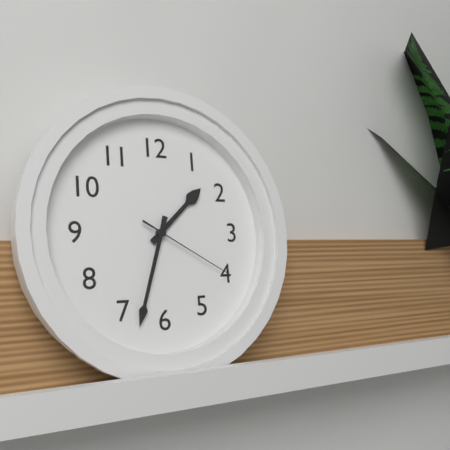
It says 1:33:20
